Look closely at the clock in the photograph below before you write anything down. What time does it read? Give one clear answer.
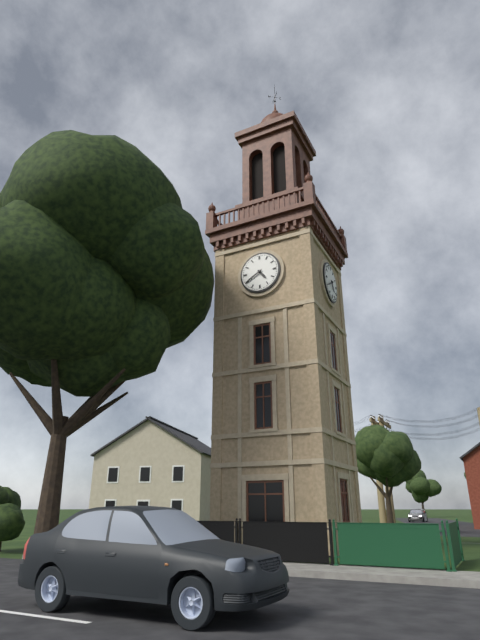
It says 4:40
